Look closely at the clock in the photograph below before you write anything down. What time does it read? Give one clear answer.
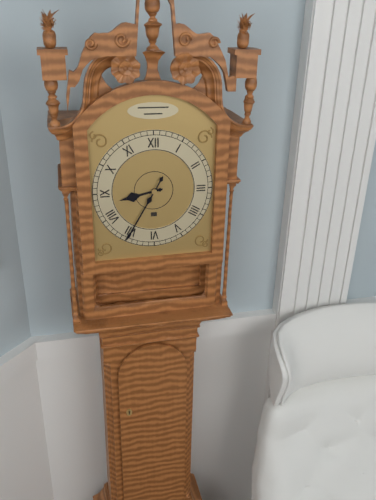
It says 8:35
